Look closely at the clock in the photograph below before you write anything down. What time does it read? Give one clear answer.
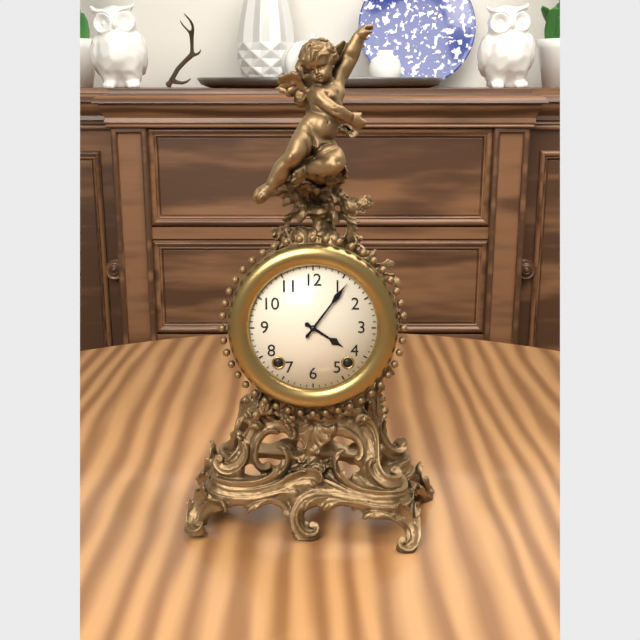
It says 4:06
